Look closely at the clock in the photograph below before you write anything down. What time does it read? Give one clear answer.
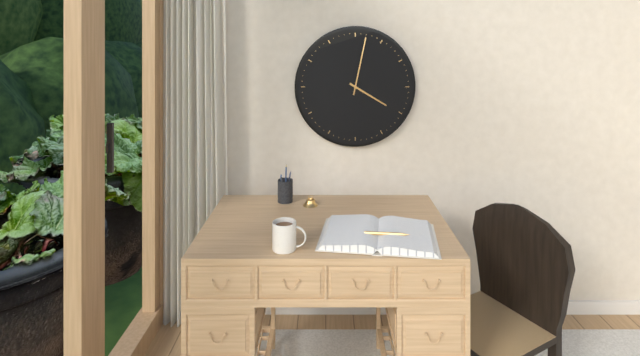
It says 4:02
